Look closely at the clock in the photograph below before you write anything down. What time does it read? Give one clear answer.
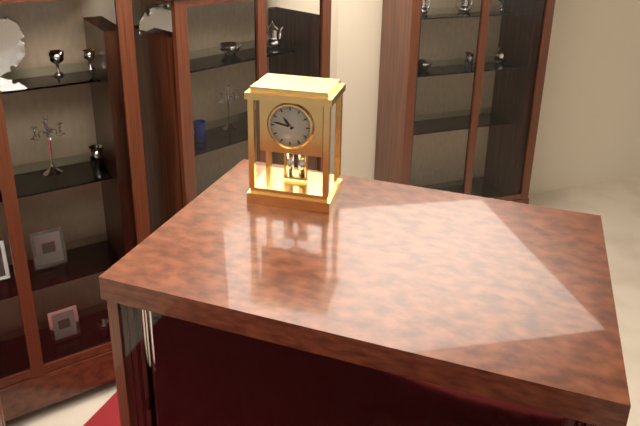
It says 10:47
